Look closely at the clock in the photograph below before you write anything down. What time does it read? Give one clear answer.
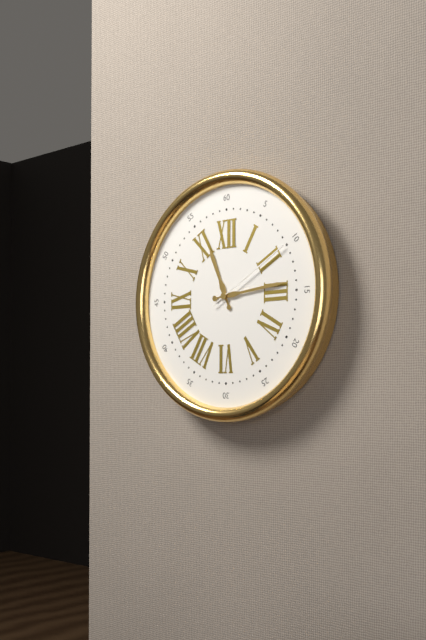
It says 11:14:10
